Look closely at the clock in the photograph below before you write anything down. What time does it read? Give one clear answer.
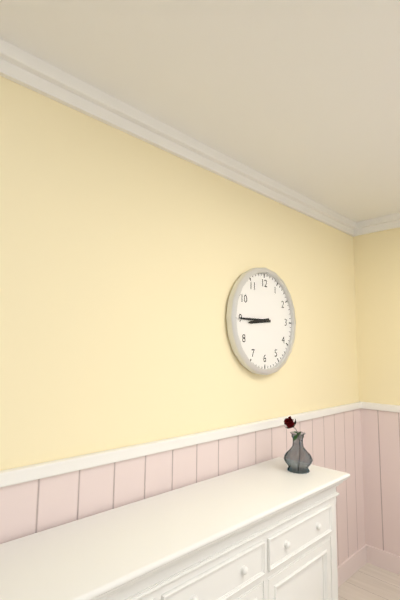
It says 8:45
